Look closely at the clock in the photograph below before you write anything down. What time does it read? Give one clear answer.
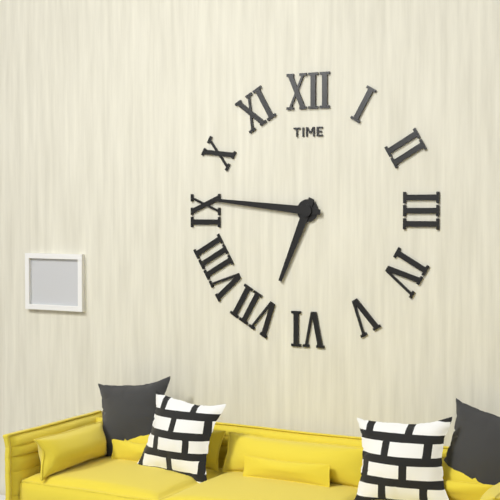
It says 6:46
